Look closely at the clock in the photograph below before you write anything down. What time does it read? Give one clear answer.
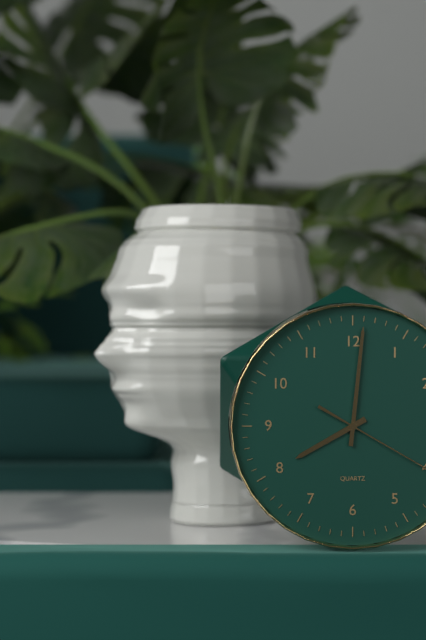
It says 8:01
